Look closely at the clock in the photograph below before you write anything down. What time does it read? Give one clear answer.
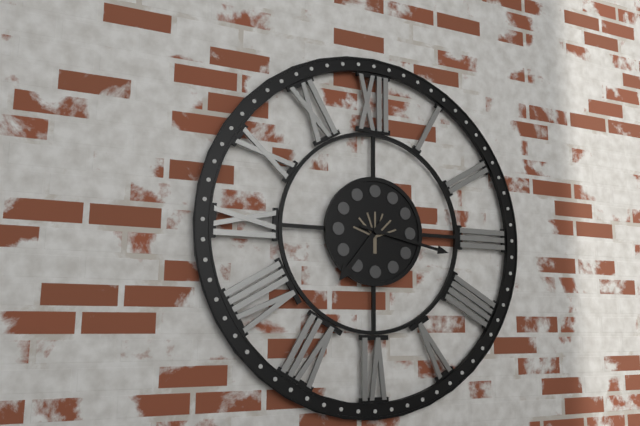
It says 7:17
